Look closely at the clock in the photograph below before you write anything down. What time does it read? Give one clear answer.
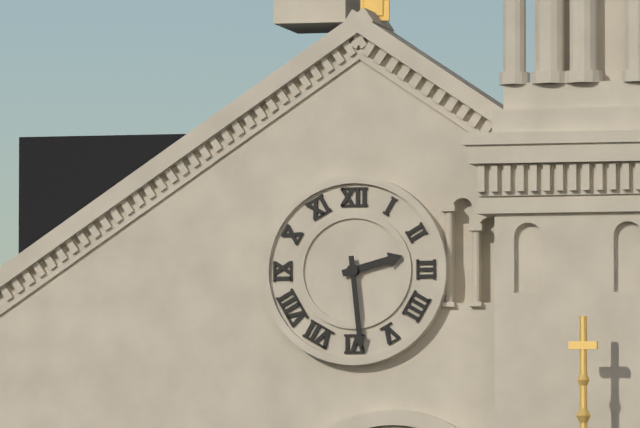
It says 2:29
